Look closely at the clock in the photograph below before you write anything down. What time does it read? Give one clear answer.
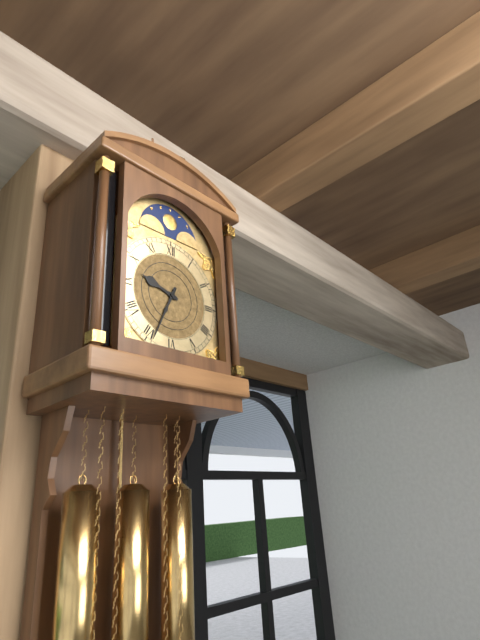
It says 9:34
